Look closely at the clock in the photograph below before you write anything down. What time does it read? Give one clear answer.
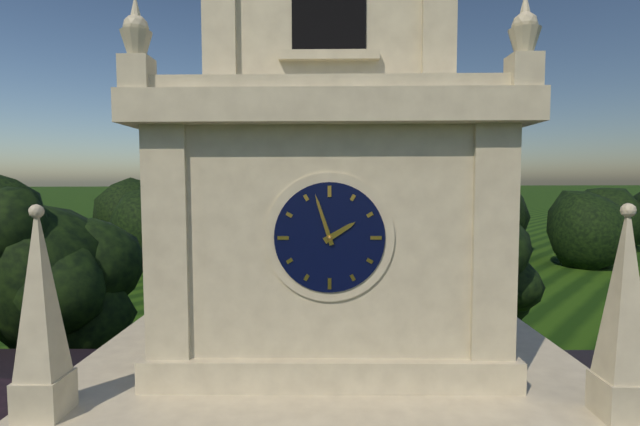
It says 1:57
